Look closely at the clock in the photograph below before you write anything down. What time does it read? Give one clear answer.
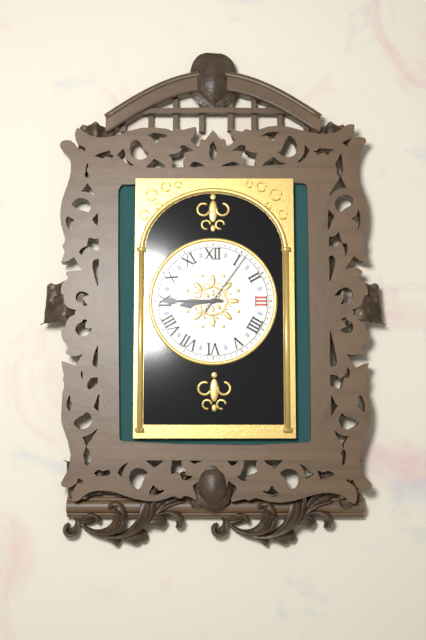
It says 8:45:06
